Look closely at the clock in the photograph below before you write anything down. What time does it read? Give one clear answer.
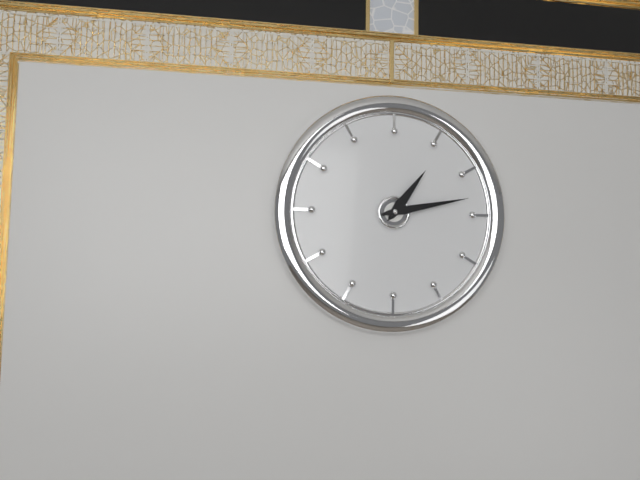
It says 1:13
